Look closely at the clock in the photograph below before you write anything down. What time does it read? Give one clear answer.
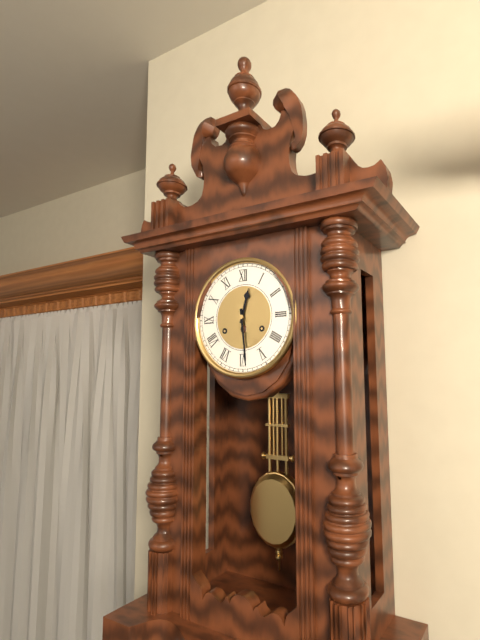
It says 12:29
